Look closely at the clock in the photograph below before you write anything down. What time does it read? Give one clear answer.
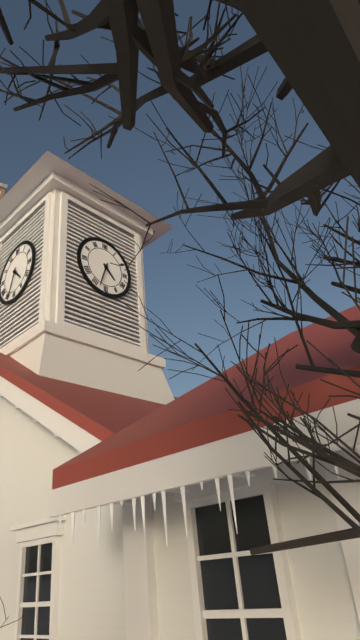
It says 4:33
